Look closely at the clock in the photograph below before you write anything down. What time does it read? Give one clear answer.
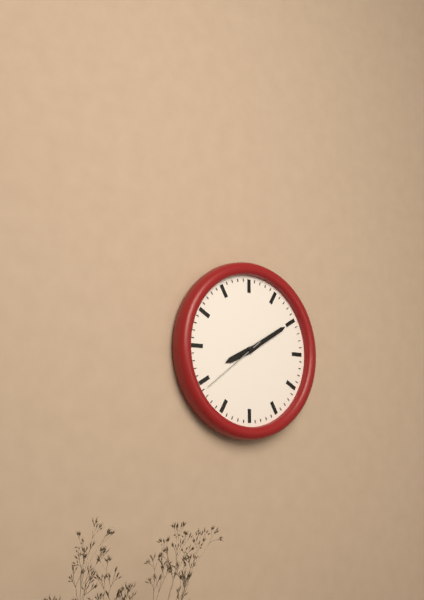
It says 8:10:39
